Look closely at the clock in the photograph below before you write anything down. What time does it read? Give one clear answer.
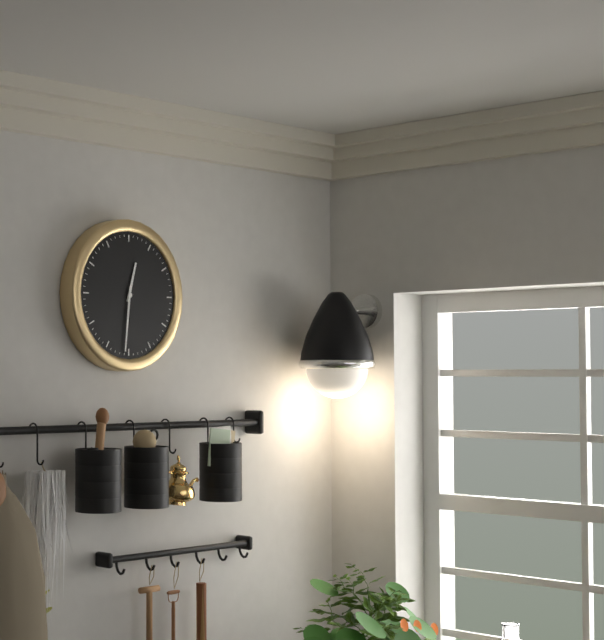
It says 12:31
